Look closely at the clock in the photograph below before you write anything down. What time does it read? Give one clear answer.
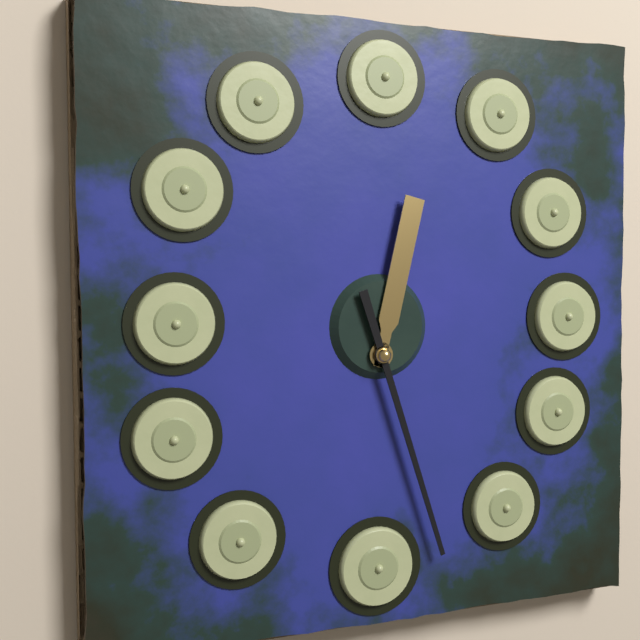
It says 12:27
